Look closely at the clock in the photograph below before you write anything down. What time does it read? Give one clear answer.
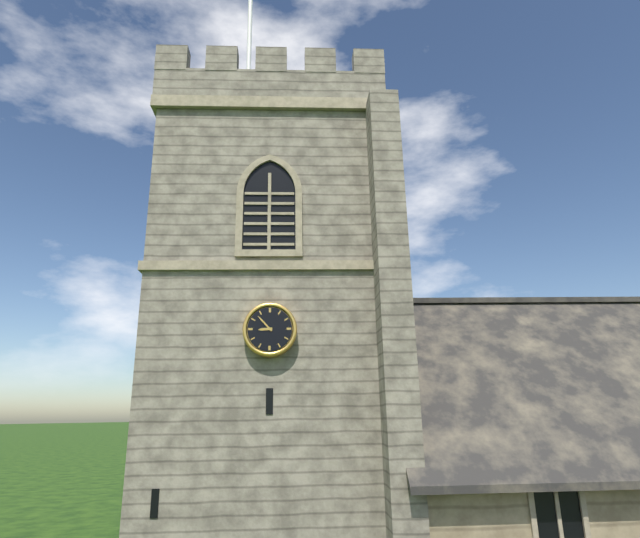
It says 8:53
